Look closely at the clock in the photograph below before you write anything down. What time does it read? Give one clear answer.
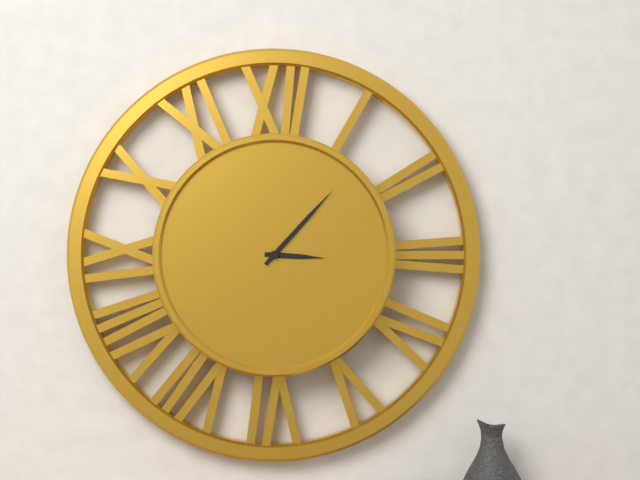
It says 3:07
